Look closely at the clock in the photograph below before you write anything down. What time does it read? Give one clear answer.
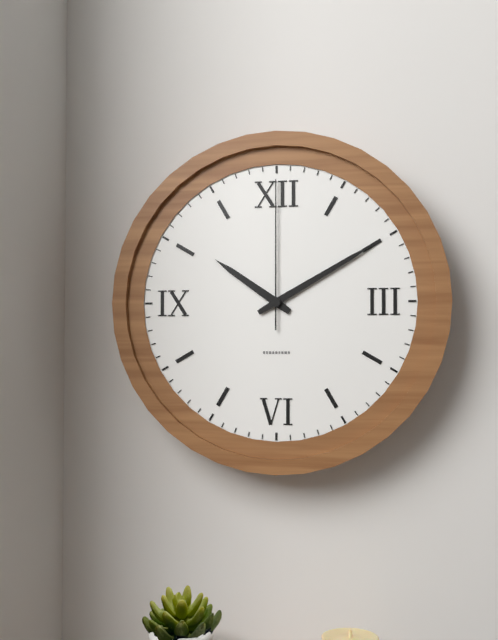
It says 10:10:00
